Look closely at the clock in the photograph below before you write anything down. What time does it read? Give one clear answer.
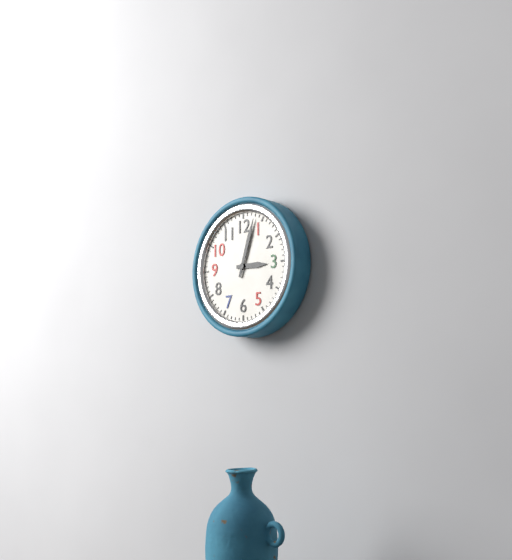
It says 3:03
